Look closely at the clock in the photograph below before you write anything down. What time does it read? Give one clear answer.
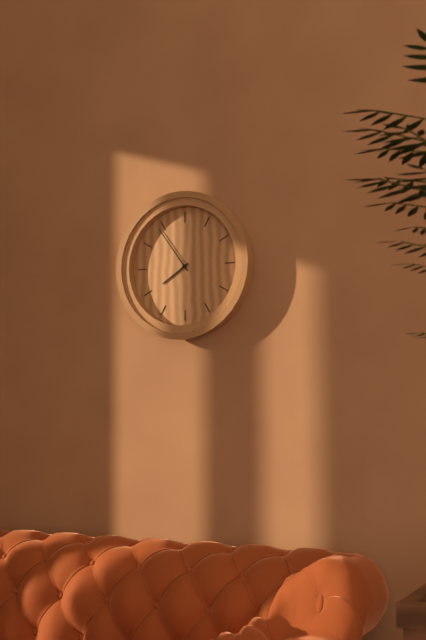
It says 7:54
